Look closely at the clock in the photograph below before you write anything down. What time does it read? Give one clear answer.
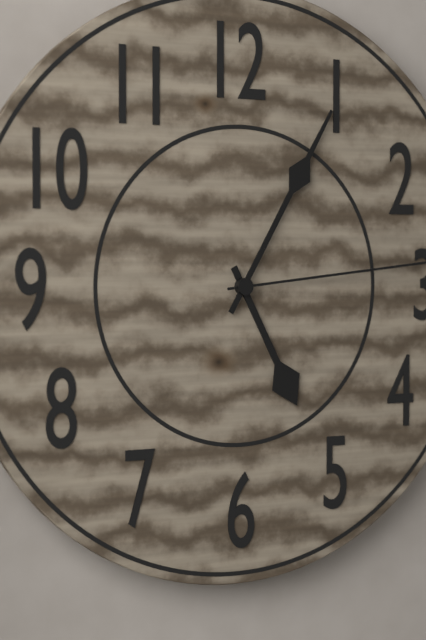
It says 5:05
